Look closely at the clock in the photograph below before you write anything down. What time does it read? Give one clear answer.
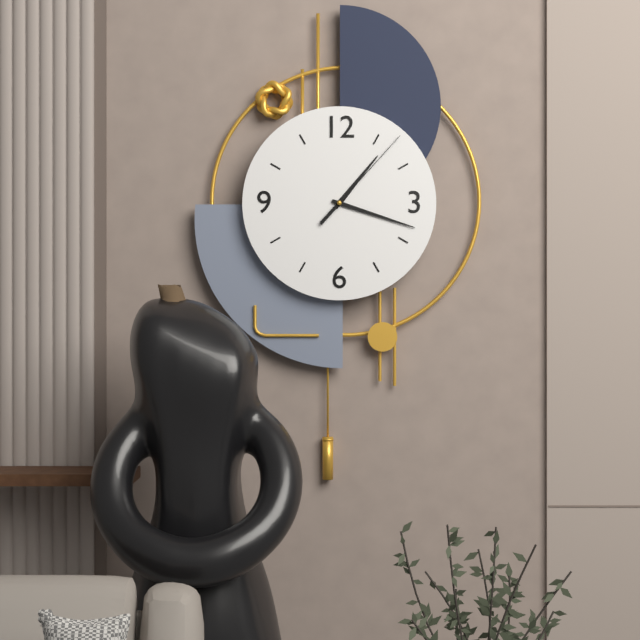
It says 1:18:07
